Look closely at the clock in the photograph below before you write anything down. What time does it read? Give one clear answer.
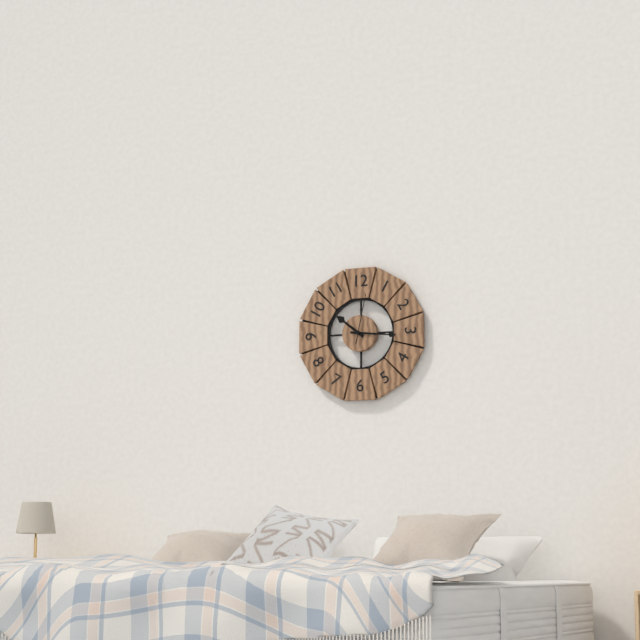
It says 10:16
